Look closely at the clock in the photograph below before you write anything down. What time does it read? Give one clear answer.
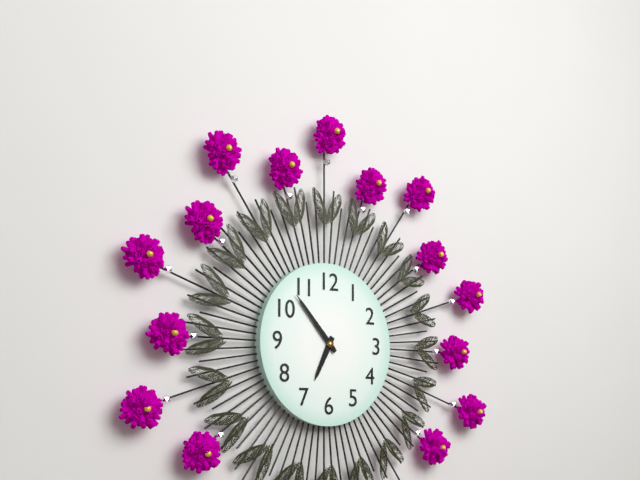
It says 6:53
